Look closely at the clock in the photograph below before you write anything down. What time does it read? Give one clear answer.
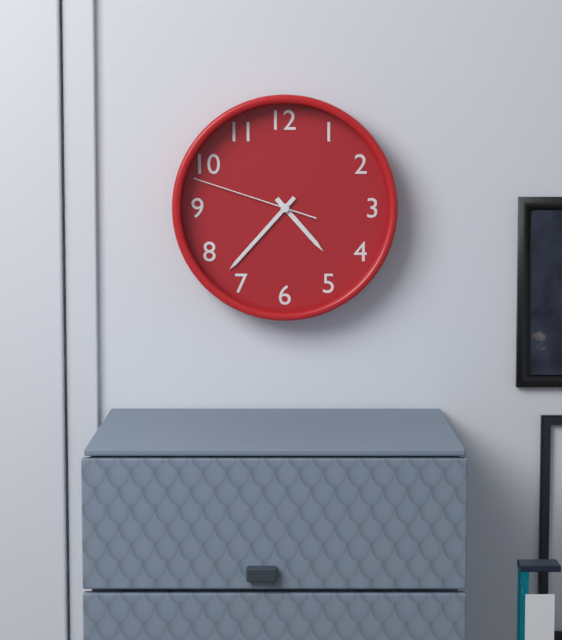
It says 4:37:48
